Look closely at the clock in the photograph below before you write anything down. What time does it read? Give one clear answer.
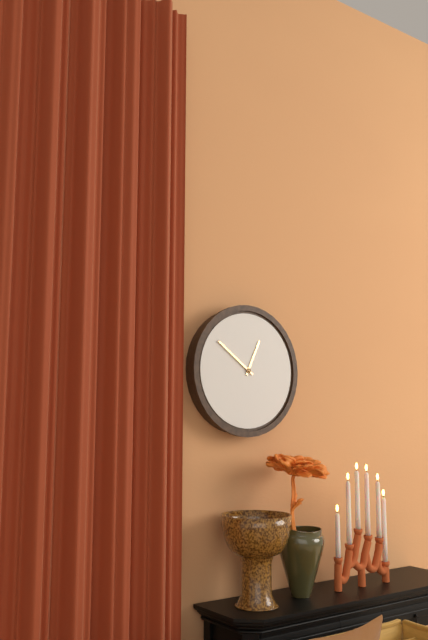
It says 12:51
